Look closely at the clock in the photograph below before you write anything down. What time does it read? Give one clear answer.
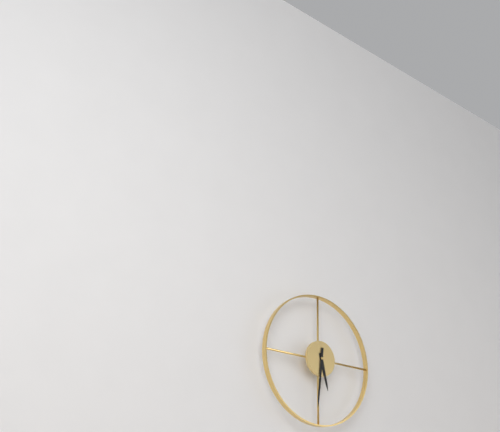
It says 5:31
